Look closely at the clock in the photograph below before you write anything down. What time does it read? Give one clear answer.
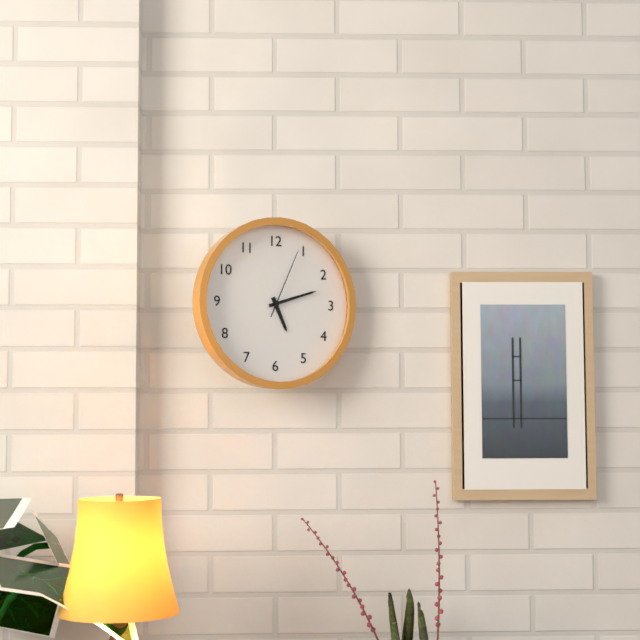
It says 5:12:04
